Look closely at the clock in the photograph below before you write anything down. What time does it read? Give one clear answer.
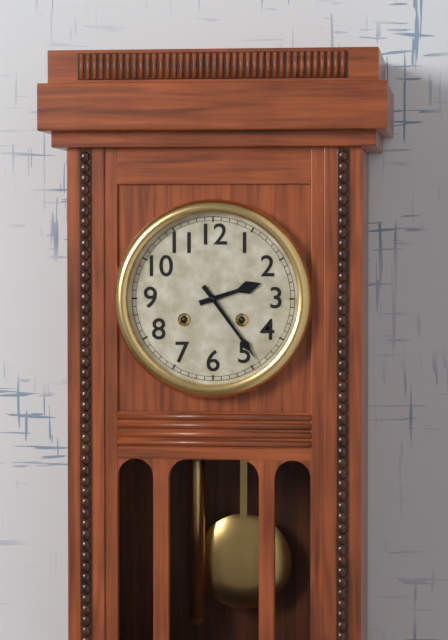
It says 2:24
